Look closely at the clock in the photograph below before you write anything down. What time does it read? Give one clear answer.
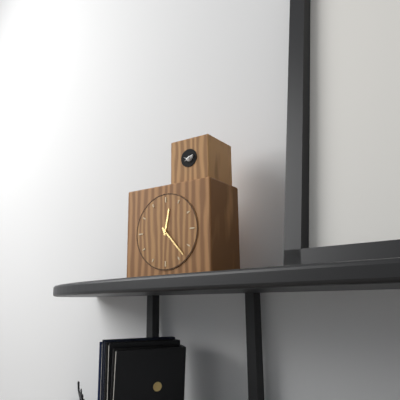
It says 12:23
